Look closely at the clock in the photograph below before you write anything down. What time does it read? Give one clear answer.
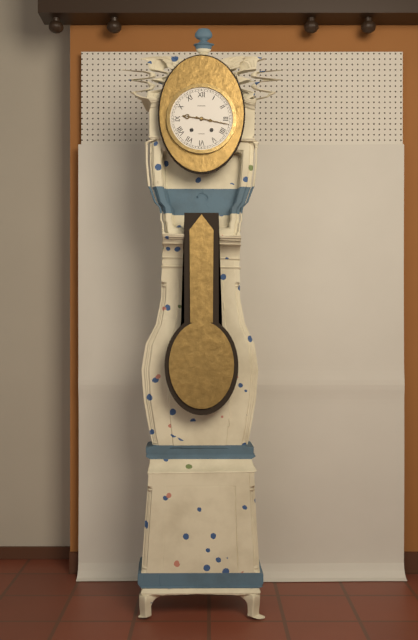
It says 9:17
